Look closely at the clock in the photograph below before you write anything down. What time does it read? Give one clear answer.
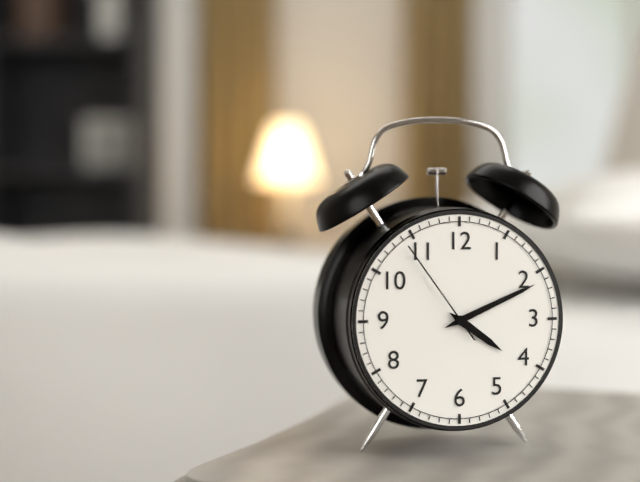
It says 4:11:54
